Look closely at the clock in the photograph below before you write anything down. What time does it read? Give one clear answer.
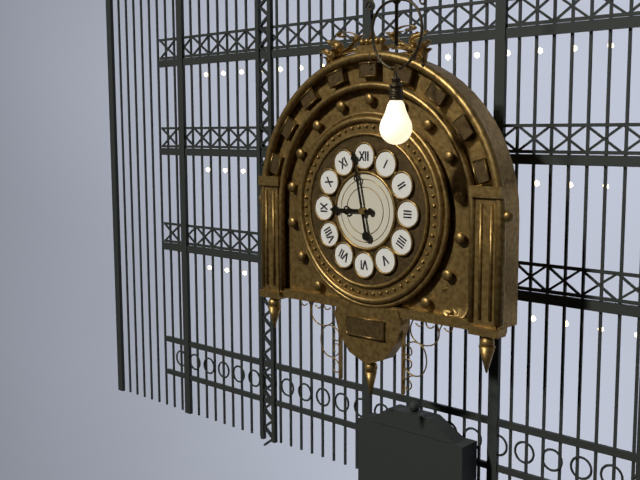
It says 8:58
